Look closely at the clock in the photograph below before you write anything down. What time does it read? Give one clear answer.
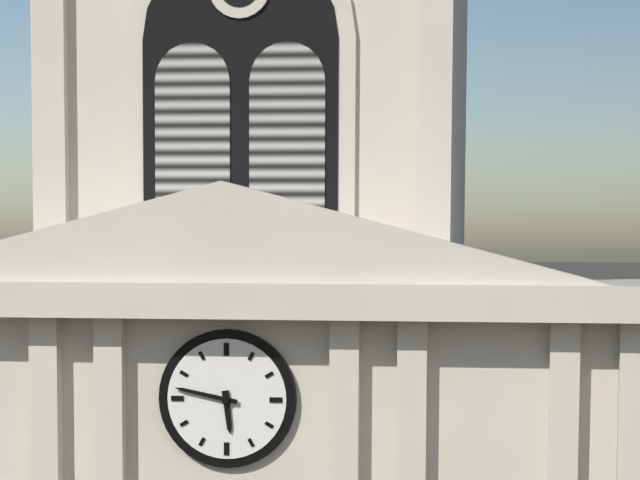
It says 5:47
